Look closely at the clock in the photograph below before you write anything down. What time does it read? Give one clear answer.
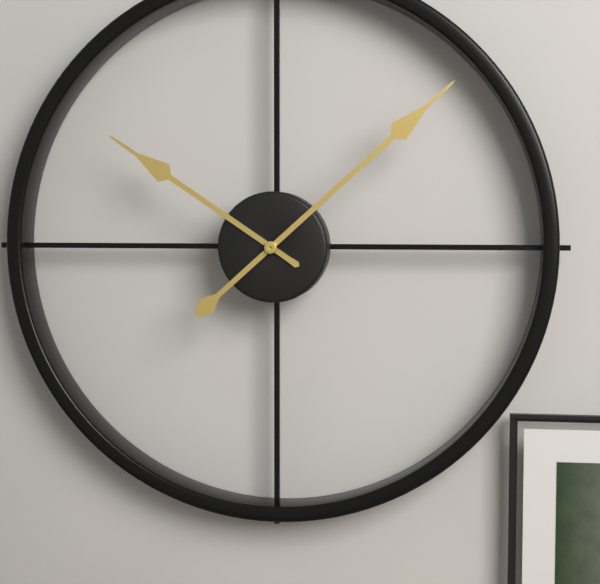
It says 10:08
